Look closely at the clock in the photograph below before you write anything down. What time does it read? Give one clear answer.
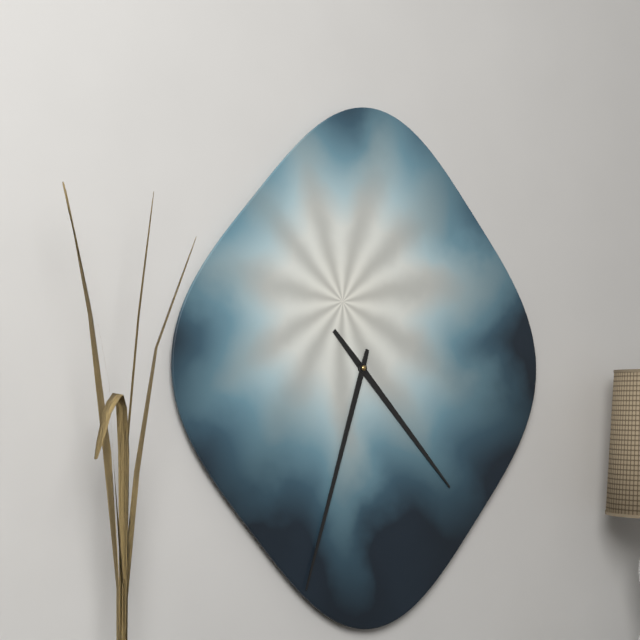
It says 4:33
